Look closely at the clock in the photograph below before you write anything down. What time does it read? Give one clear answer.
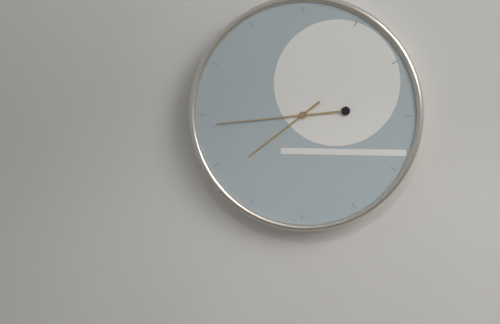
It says 7:44
